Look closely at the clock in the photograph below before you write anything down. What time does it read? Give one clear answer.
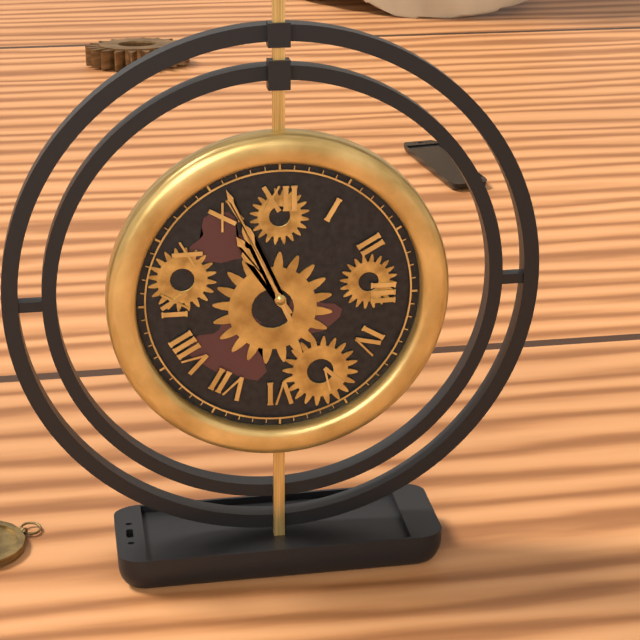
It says 10:56
